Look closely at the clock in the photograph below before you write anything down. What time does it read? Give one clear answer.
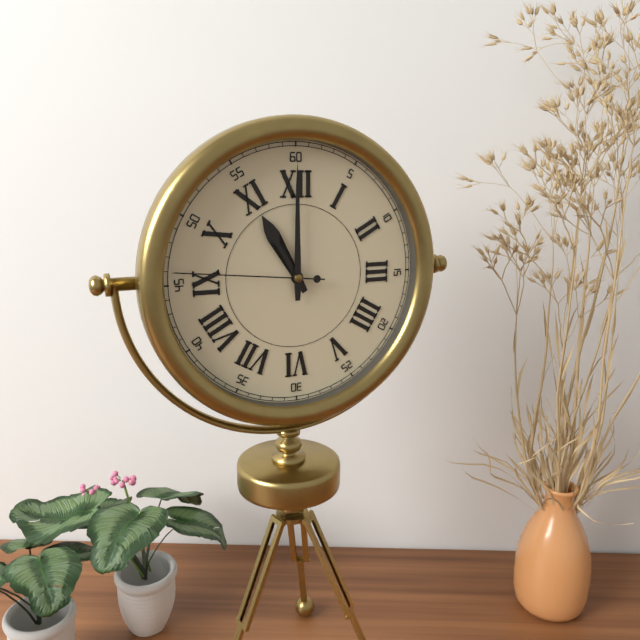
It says 11:00:46
